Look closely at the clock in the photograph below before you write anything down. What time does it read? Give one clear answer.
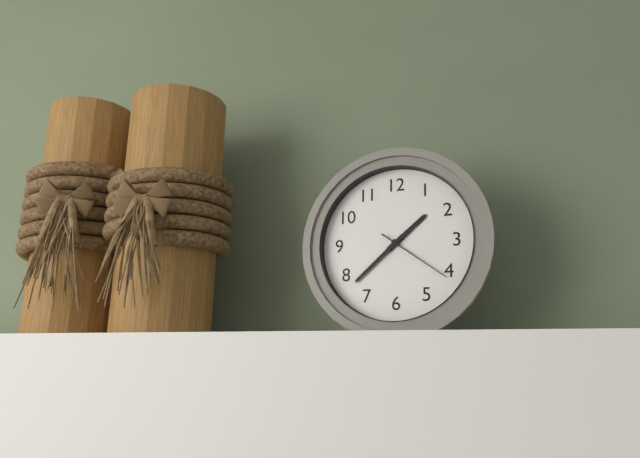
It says 1:38:21
